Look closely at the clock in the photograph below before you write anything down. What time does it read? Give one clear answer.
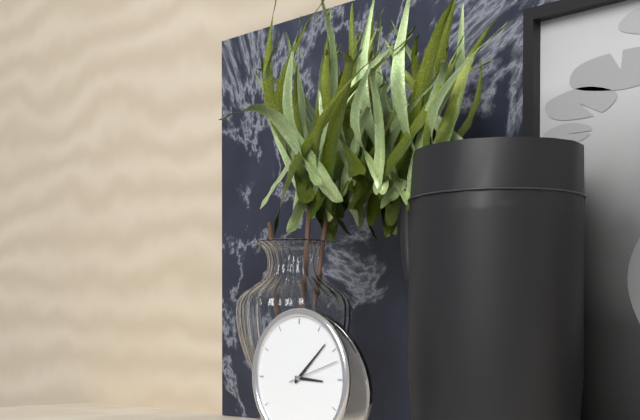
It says 3:08:12
